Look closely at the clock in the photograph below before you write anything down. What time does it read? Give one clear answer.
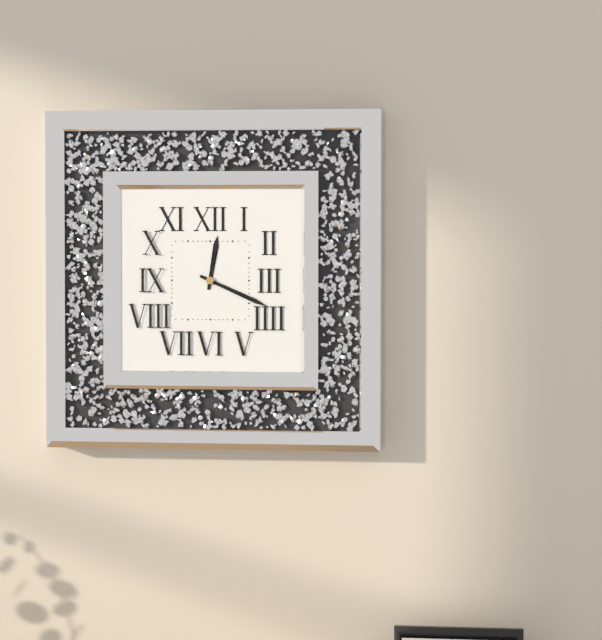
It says 12:19
